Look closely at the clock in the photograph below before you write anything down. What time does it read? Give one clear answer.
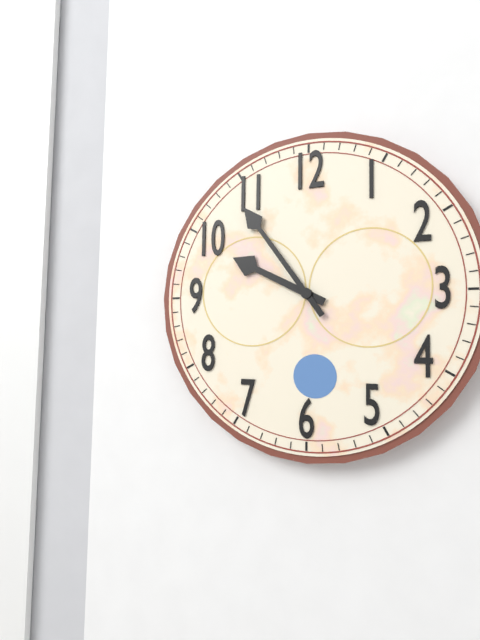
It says 9:54
